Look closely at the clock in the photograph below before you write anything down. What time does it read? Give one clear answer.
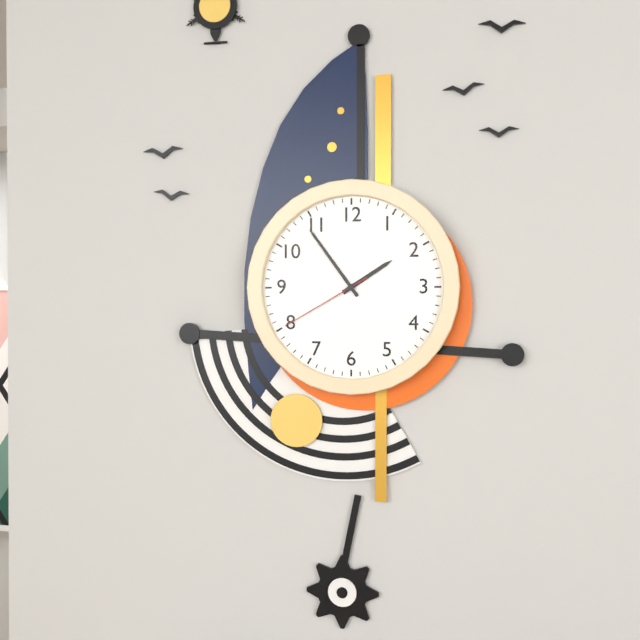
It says 1:54:40
